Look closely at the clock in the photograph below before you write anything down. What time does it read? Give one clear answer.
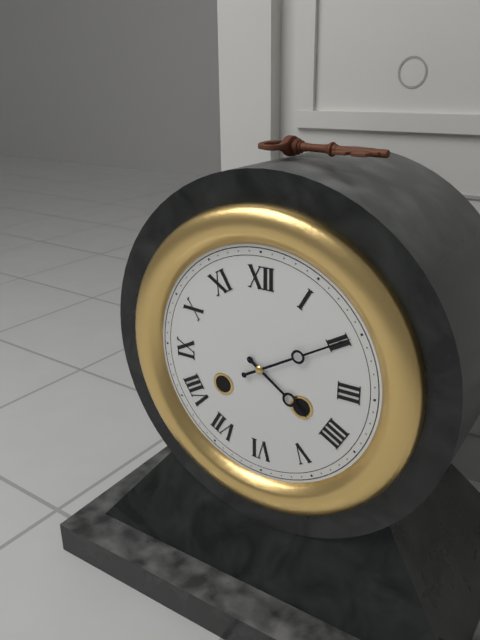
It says 4:10
